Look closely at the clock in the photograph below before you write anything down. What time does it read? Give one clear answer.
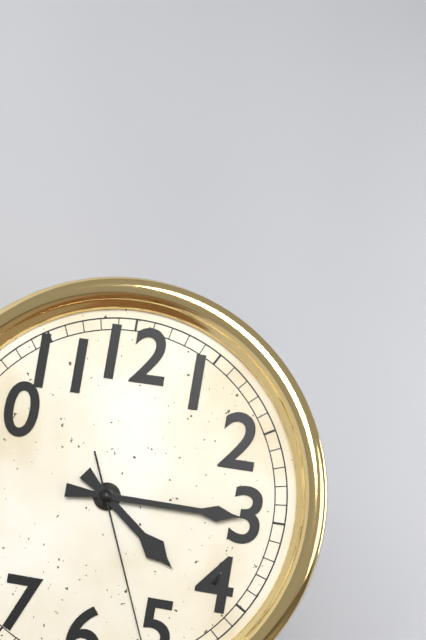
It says 4:15
